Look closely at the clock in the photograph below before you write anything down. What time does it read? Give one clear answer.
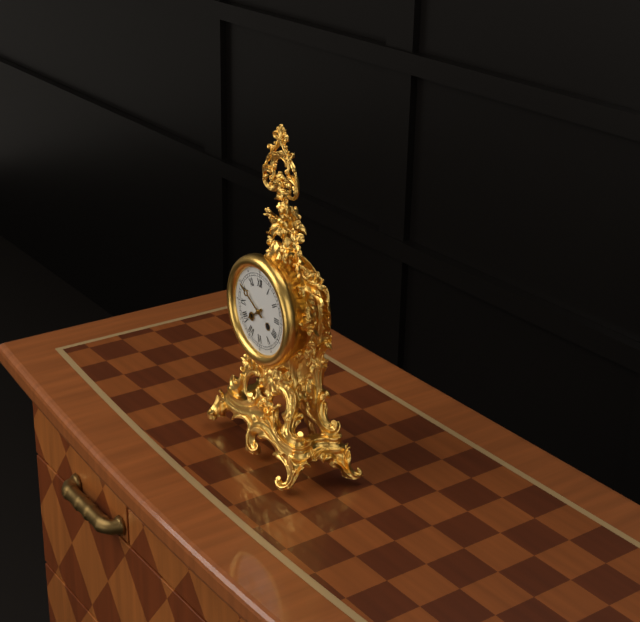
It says 7:50
